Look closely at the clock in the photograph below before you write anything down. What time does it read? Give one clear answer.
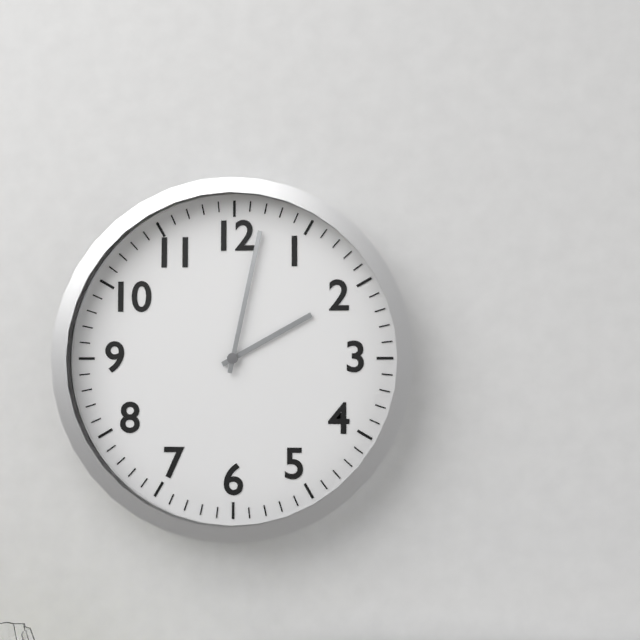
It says 2:02
